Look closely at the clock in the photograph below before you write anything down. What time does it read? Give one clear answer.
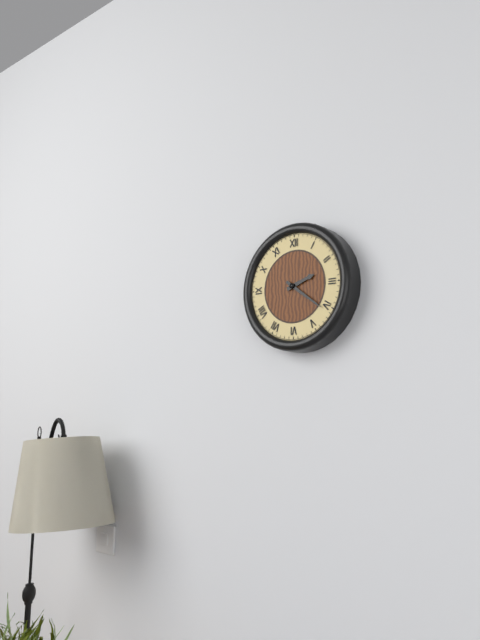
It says 2:21
